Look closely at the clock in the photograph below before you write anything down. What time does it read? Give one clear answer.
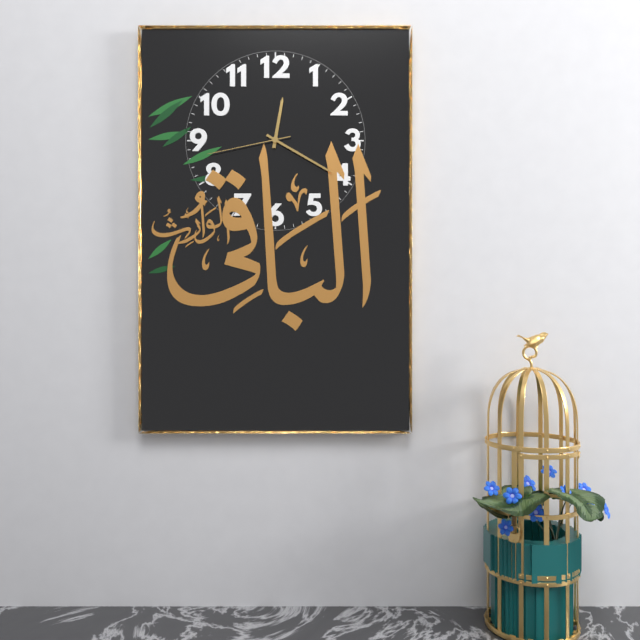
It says 12:20:43
